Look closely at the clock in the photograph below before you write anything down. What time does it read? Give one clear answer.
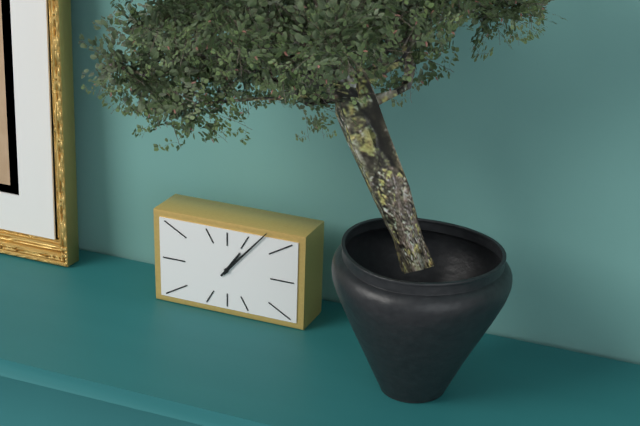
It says 1:07
